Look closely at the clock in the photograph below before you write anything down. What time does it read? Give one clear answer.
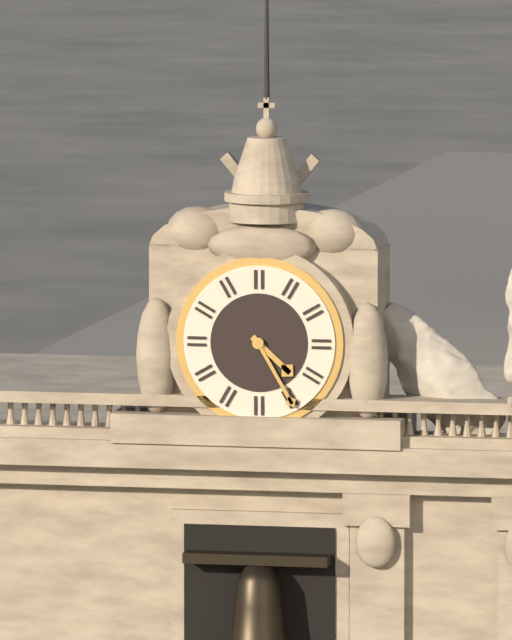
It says 4:25
